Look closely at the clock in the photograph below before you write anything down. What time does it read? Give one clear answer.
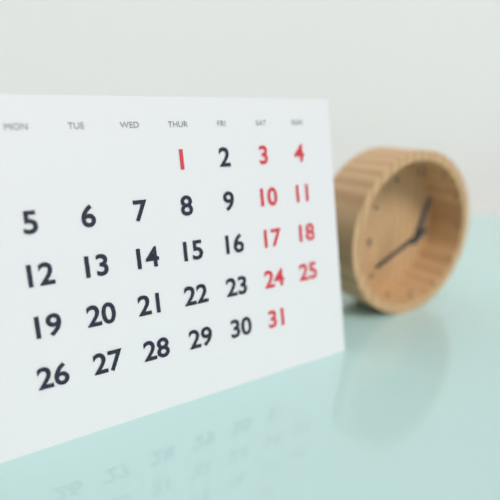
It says 12:41
